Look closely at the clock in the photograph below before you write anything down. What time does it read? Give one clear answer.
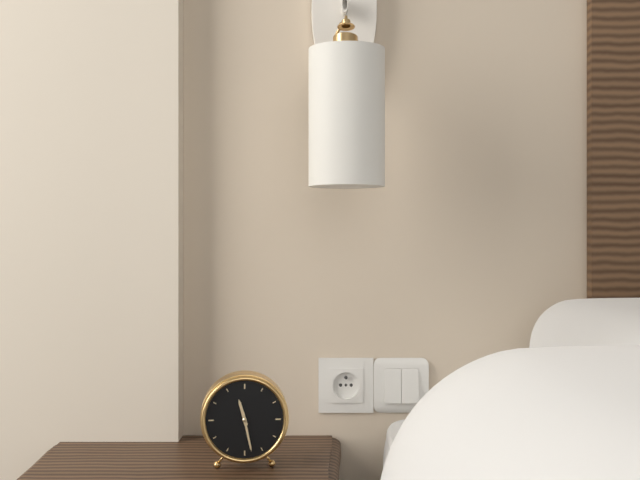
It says 11:28
